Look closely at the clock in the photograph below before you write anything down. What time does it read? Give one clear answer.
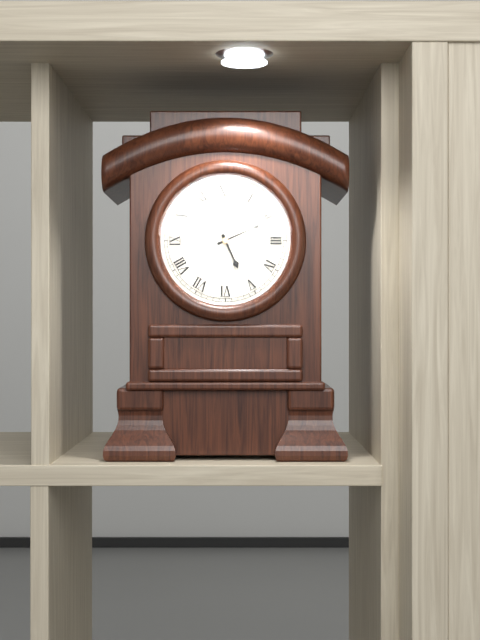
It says 5:11
